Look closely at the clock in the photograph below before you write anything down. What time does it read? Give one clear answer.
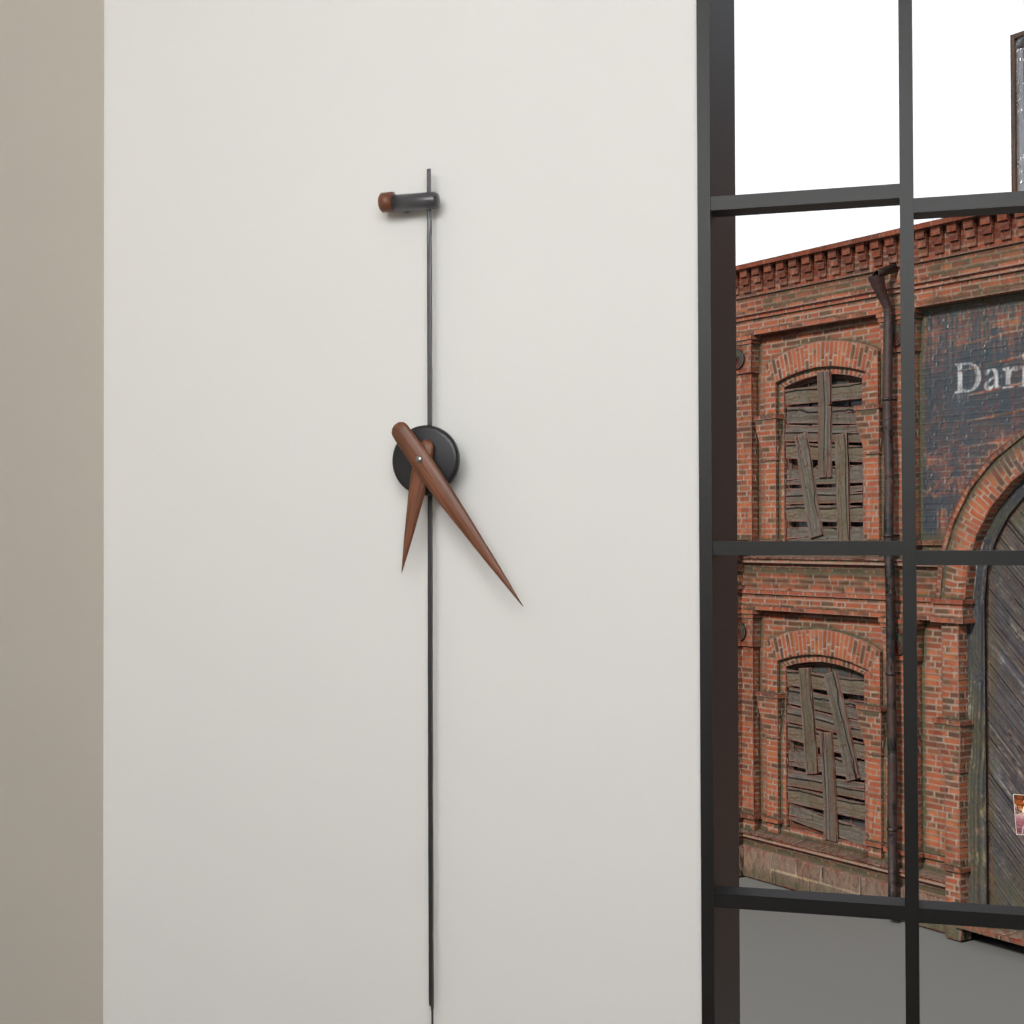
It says 6:24
